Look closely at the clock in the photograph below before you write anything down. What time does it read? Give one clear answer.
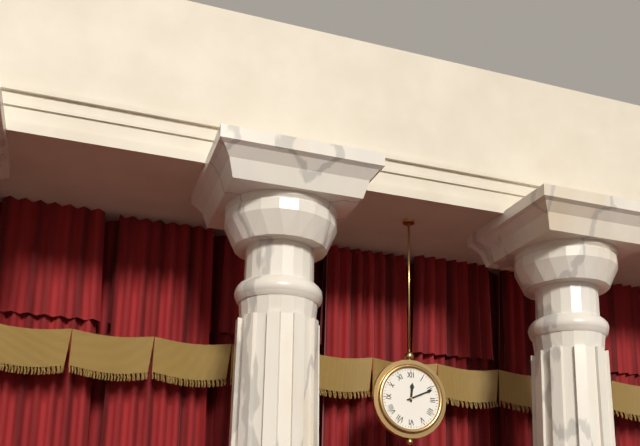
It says 12:11
